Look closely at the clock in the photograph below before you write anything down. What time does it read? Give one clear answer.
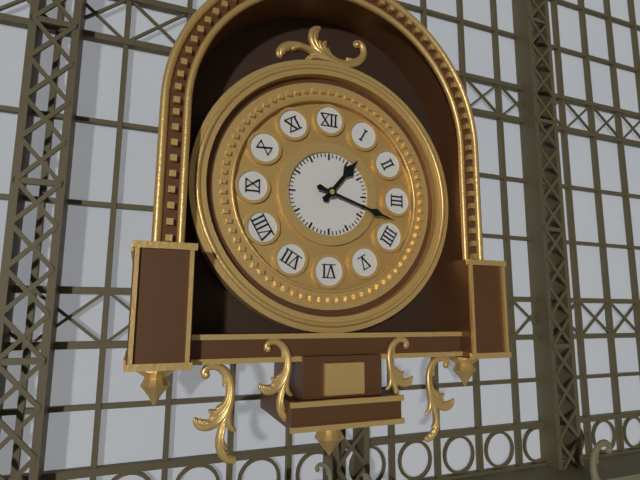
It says 1:18
